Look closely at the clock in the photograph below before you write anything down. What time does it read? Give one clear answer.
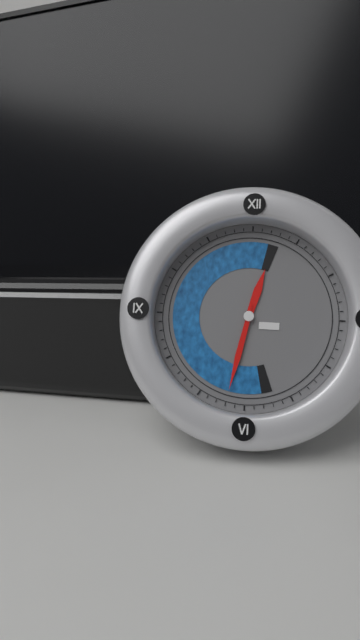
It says 12:32
